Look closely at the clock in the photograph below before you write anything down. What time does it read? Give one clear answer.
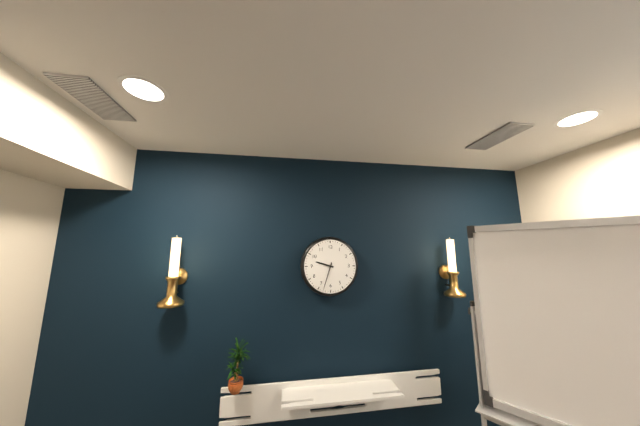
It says 9:33
